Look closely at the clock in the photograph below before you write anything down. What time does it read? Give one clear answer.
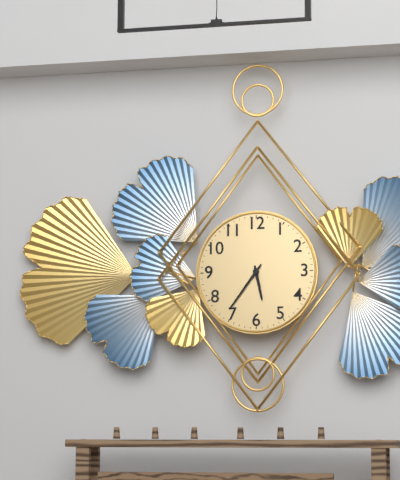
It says 5:36
